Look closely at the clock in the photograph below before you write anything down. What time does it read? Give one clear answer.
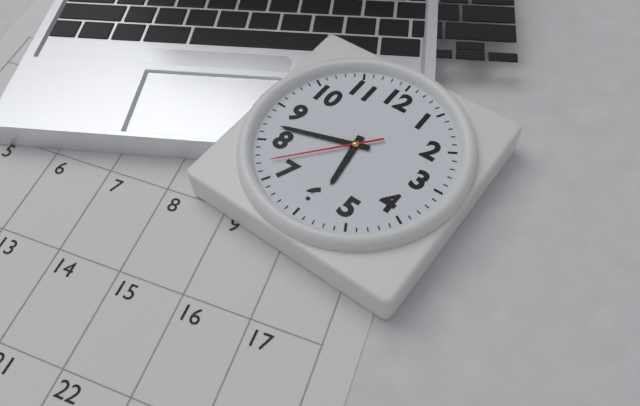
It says 5:42:37
